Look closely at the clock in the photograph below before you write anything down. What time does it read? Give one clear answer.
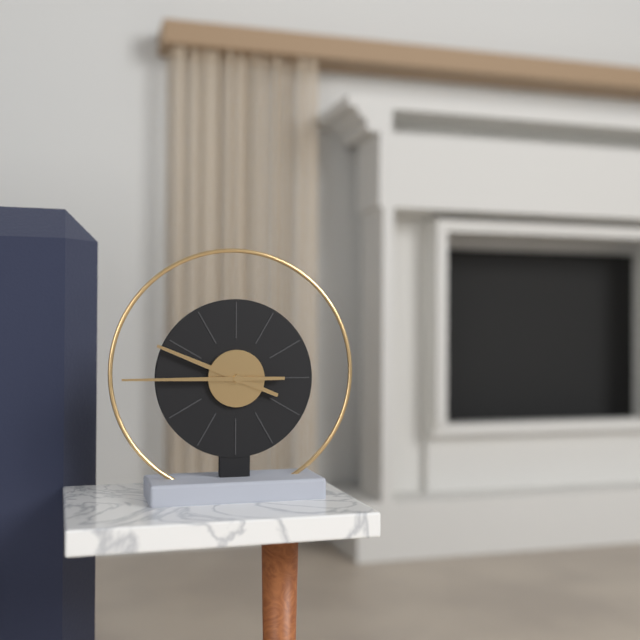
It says 9:45
